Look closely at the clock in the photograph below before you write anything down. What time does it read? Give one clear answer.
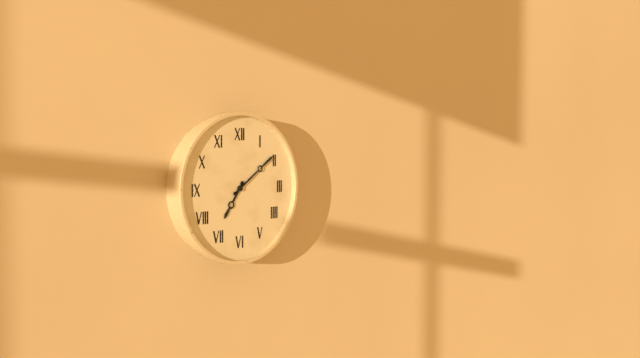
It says 7:09
